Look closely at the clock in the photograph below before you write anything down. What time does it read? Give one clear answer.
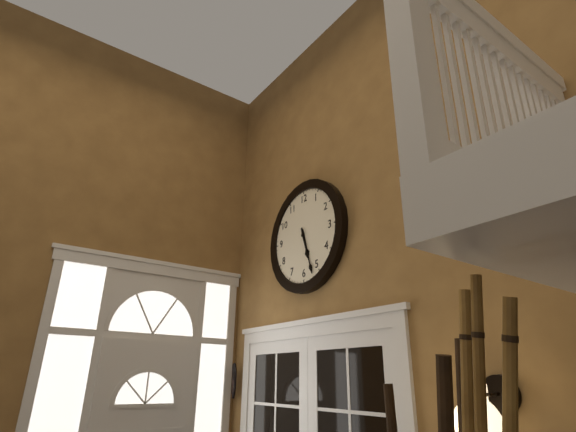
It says 5:27
